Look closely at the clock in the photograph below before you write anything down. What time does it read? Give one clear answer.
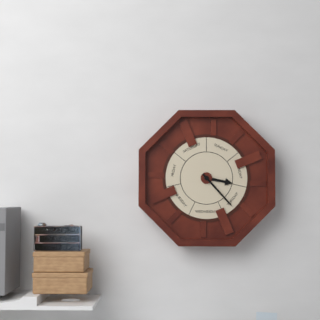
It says 3:23
